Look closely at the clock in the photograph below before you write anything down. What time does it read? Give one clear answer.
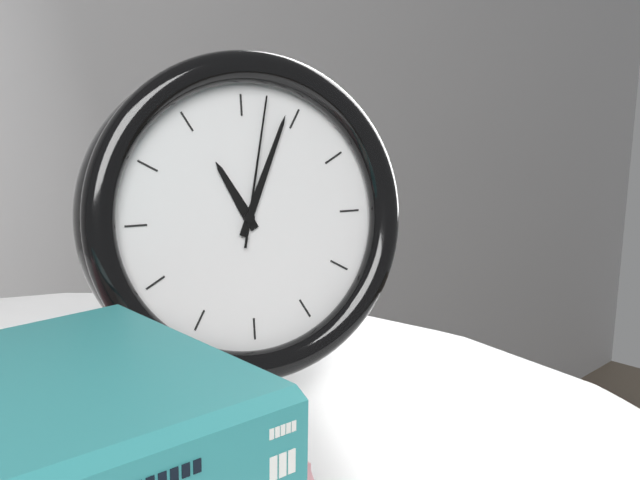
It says 11:04:02
